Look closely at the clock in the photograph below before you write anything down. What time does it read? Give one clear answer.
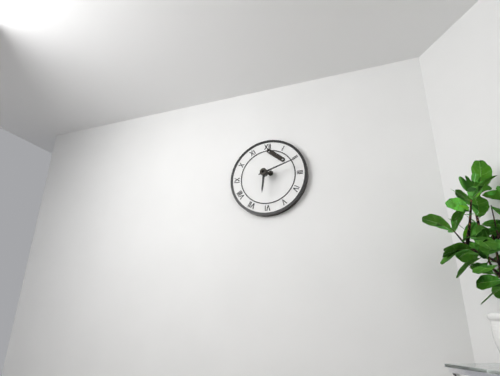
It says 6:12
